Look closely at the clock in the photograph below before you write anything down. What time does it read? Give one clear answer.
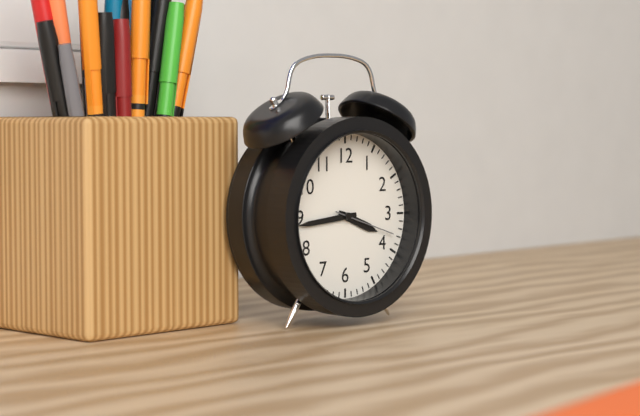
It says 3:44:18
